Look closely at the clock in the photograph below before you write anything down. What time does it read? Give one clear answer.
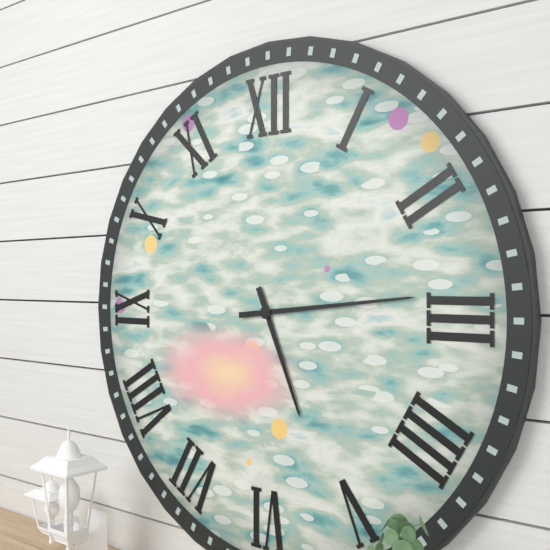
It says 5:14
